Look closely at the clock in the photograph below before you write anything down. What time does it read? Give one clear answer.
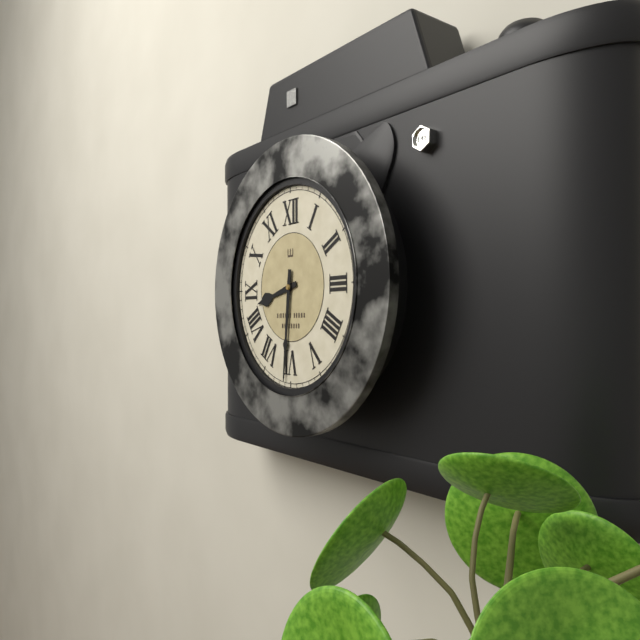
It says 8:31
